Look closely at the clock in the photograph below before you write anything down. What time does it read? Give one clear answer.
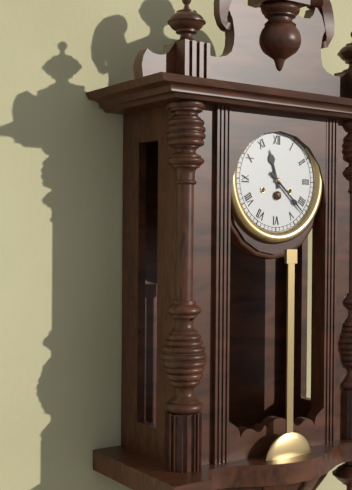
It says 11:22
